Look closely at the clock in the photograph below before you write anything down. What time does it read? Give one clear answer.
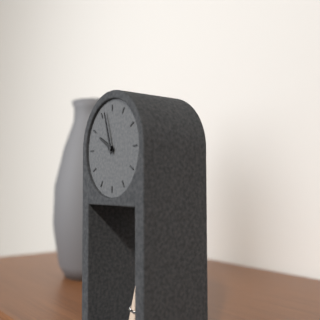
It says 9:57
